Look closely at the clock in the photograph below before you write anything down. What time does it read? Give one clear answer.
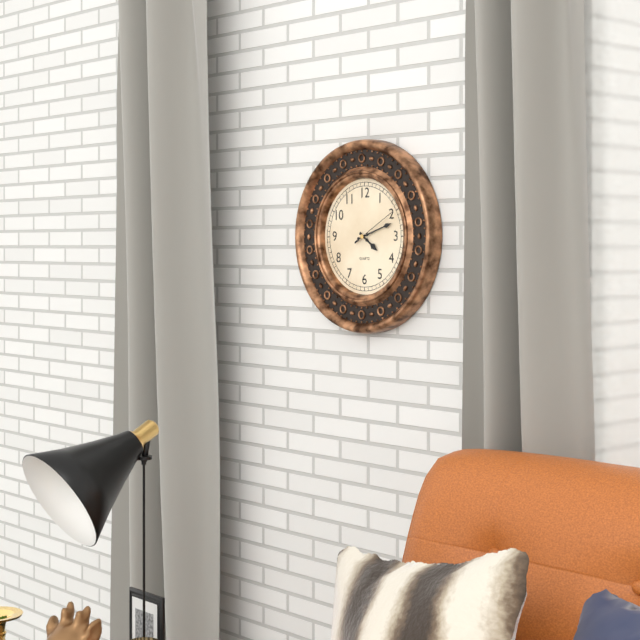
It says 4:12
